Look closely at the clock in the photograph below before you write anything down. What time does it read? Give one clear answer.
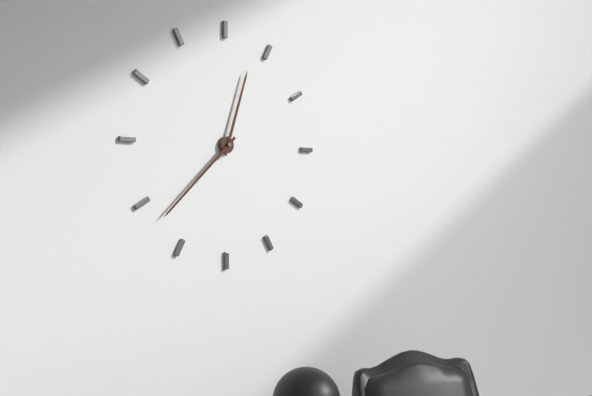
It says 12:38
